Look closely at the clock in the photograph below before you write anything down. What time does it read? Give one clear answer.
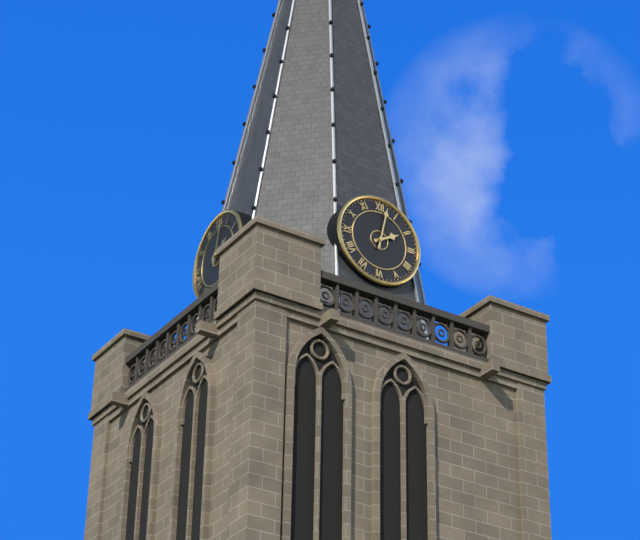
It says 2:02
